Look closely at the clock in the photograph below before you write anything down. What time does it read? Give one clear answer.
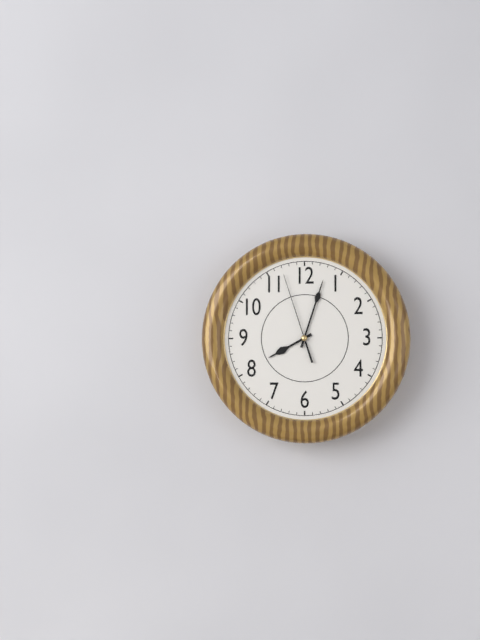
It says 8:03:57
